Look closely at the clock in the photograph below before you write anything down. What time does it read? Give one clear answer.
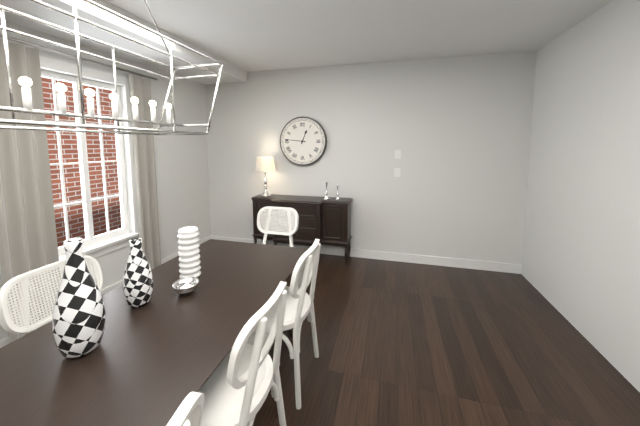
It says 12:46
